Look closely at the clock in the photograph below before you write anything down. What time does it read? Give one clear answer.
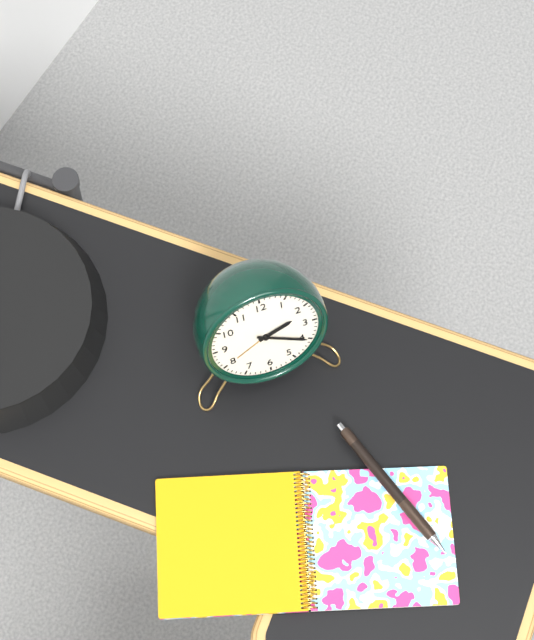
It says 2:20
